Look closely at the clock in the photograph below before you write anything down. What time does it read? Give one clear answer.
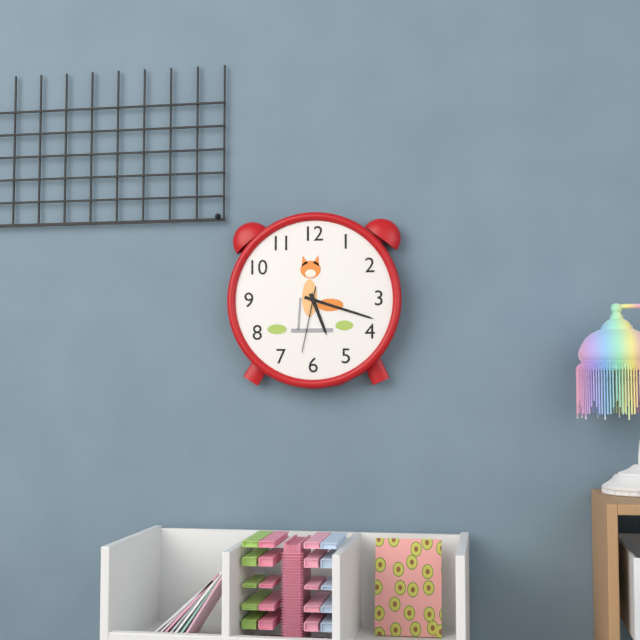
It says 5:18:32
